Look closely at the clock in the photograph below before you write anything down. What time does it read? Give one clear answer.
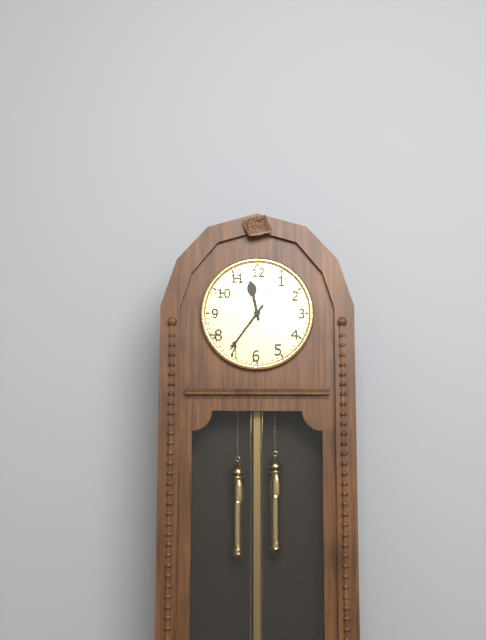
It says 11:36
